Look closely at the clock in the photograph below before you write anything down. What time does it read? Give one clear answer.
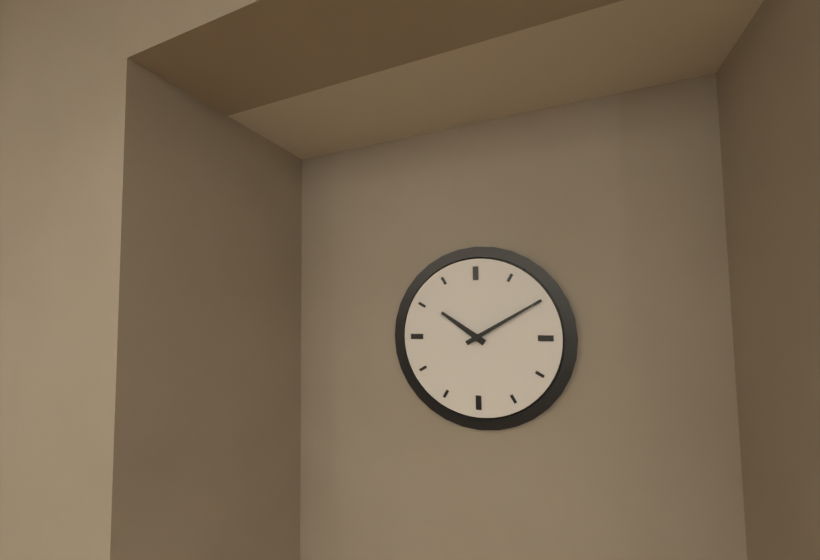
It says 10:10
